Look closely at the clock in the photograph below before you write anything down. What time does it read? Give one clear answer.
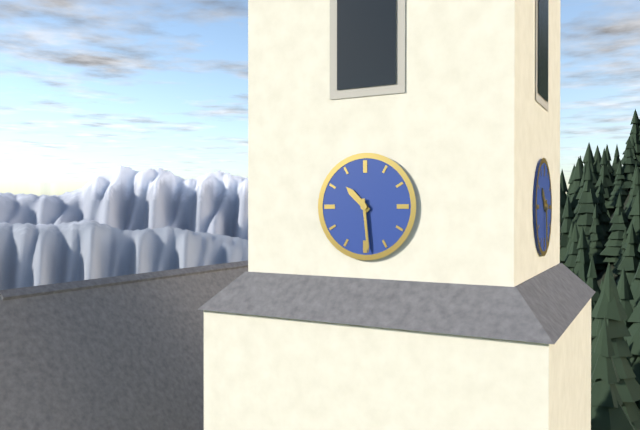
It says 10:29
